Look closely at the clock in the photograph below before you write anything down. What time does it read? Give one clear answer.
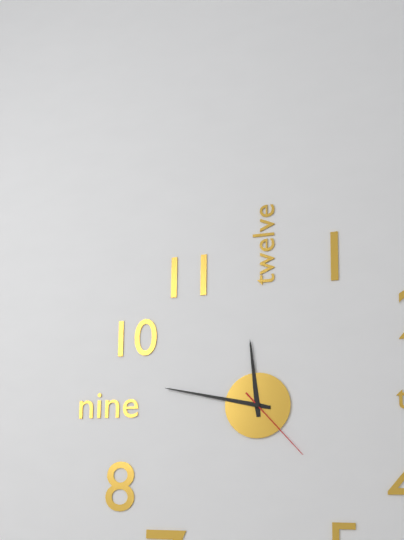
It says 11:47:23
